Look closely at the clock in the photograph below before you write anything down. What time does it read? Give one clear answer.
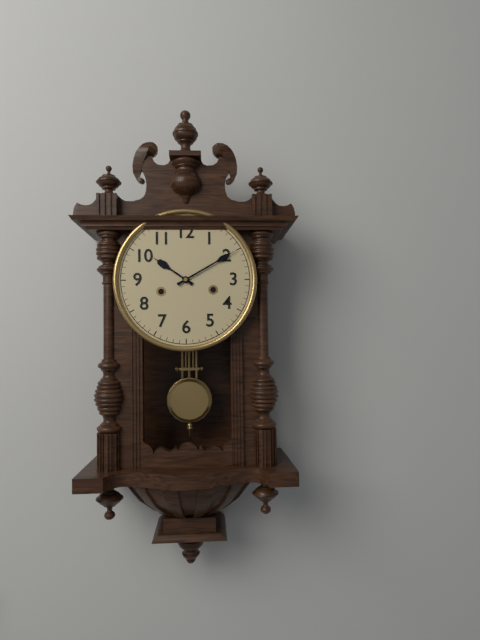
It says 10:10
